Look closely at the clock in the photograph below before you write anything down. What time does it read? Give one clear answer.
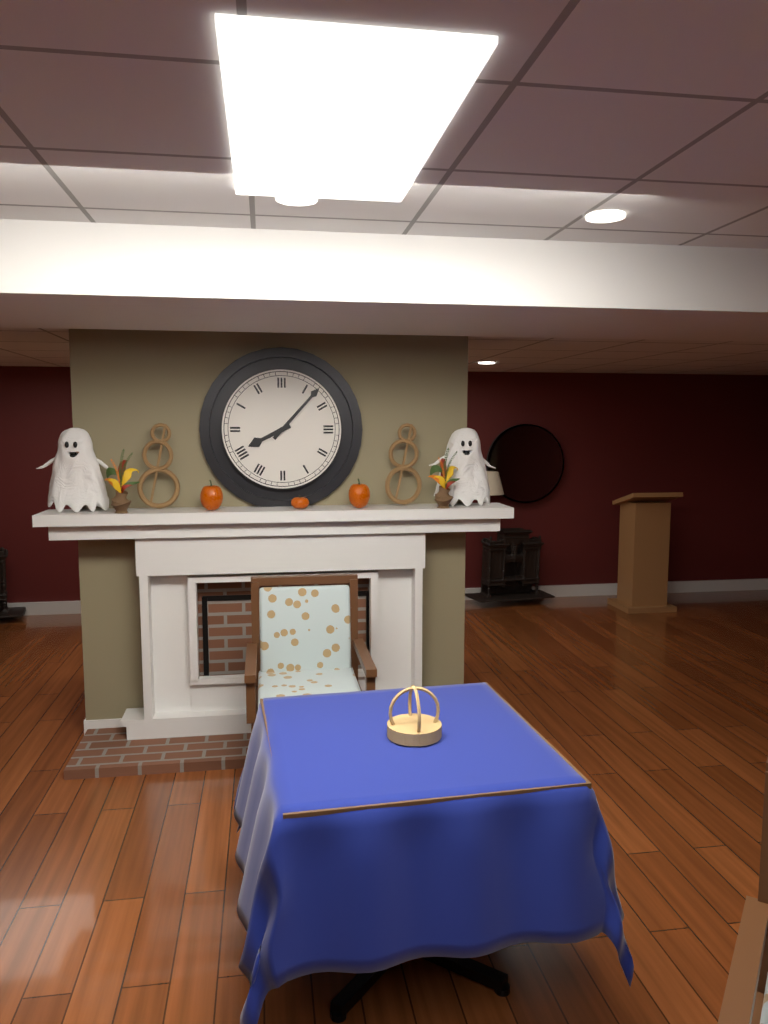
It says 8:07
